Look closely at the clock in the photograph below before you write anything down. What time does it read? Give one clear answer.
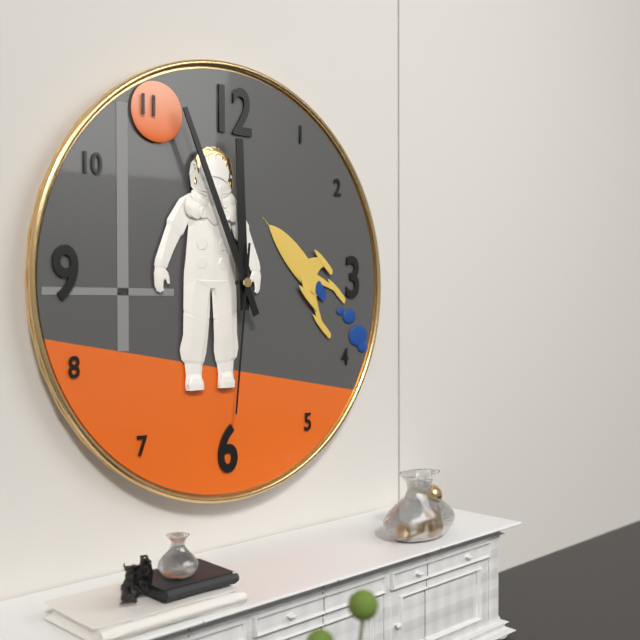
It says 11:56:31
